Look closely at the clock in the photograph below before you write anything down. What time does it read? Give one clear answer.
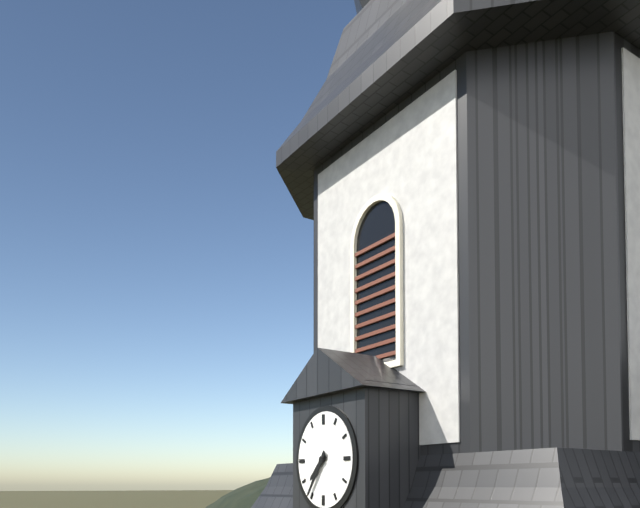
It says 7:36
